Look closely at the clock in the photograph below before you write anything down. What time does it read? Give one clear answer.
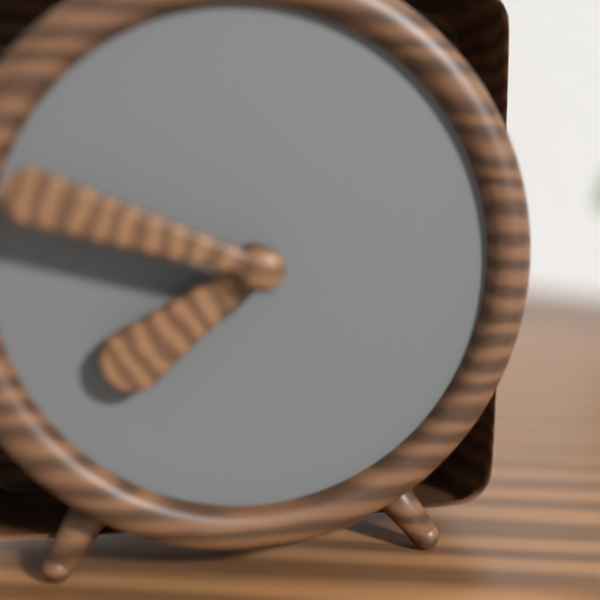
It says 7:48
